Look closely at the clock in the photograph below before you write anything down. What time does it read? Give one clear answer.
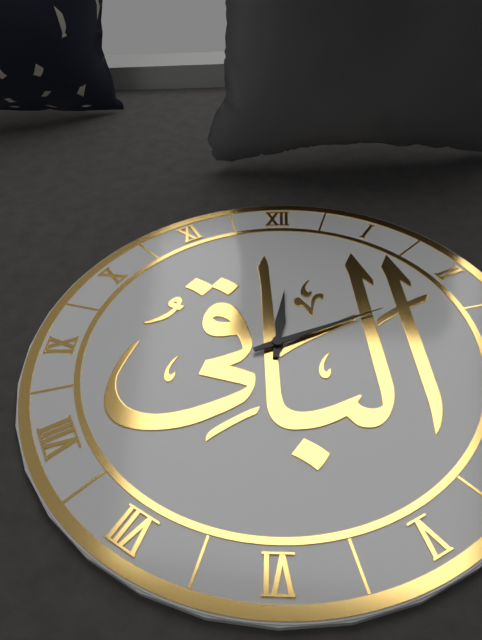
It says 12:11
